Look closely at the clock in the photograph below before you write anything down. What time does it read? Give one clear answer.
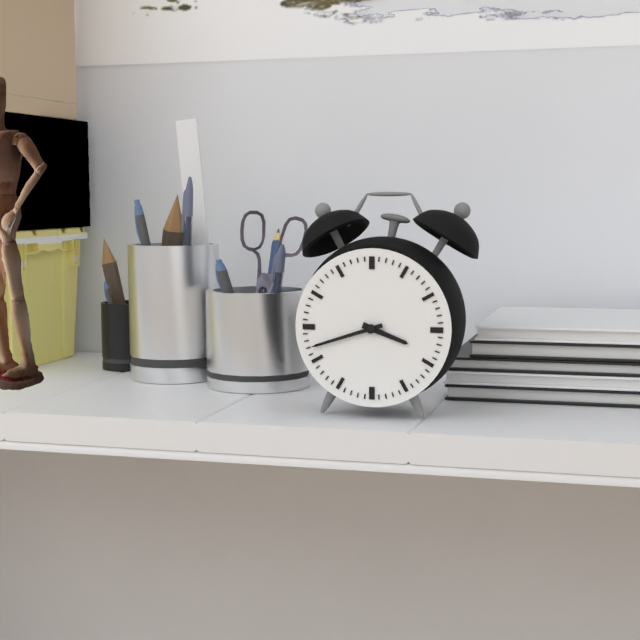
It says 3:42
